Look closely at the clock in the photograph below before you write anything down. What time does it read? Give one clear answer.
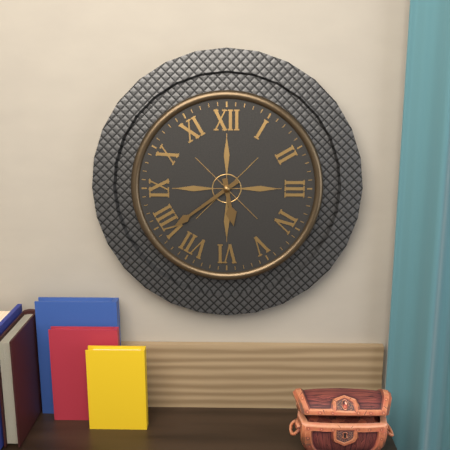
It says 5:39
